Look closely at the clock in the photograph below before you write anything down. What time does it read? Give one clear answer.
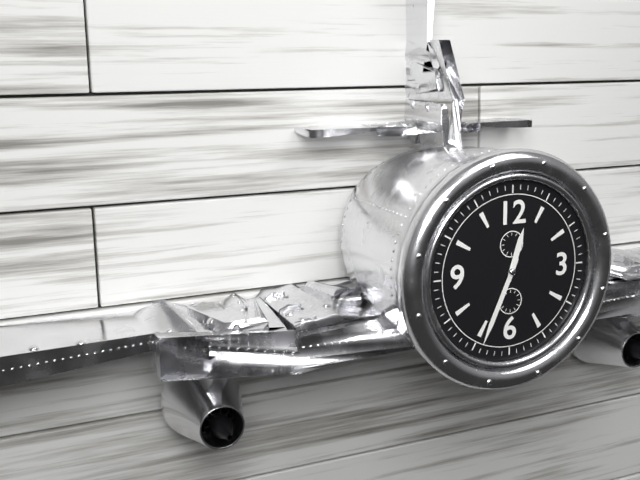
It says 12:34
